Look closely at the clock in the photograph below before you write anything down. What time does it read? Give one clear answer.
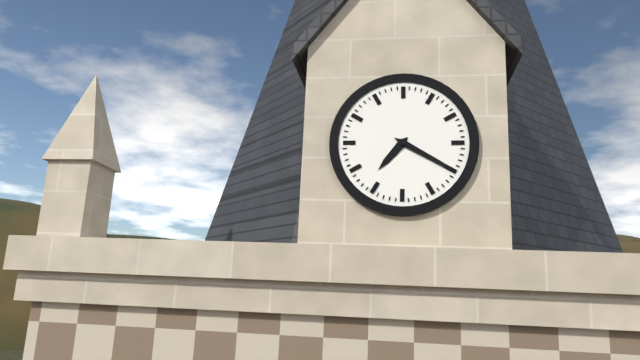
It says 7:20
